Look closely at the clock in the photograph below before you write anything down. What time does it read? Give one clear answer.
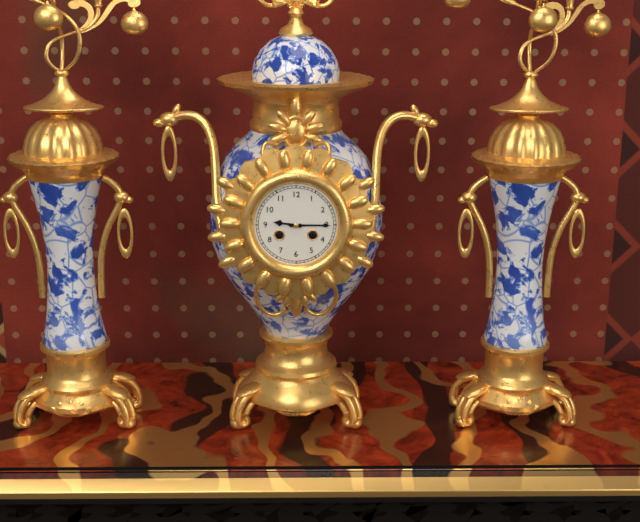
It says 9:15
